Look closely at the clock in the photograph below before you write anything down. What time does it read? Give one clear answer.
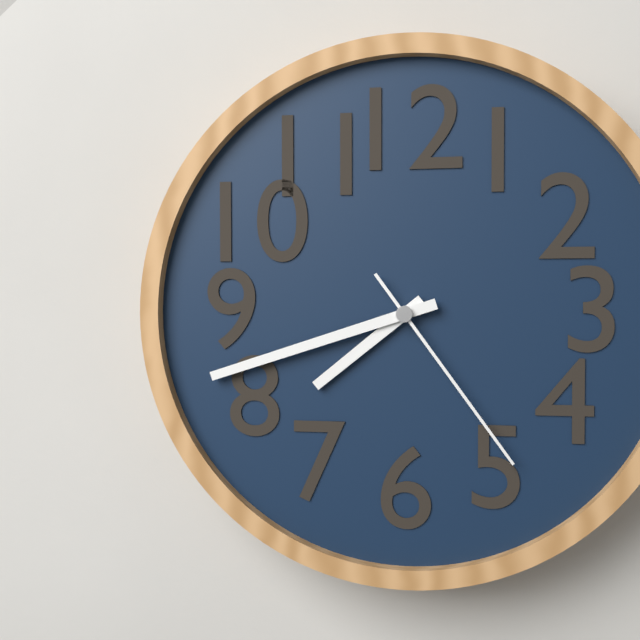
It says 7:42:24
